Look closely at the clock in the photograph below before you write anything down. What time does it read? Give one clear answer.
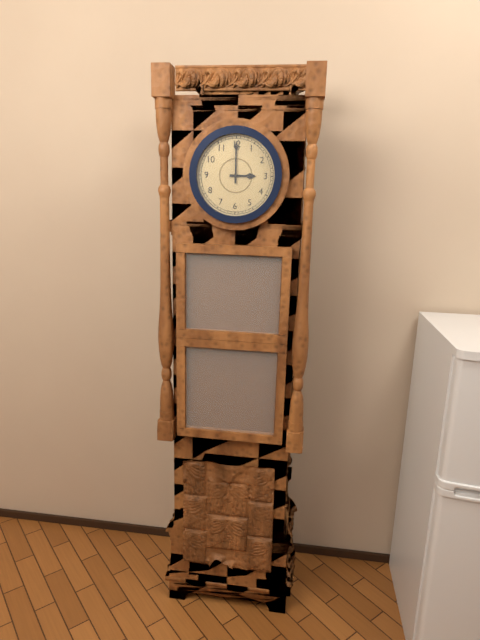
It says 3:00
